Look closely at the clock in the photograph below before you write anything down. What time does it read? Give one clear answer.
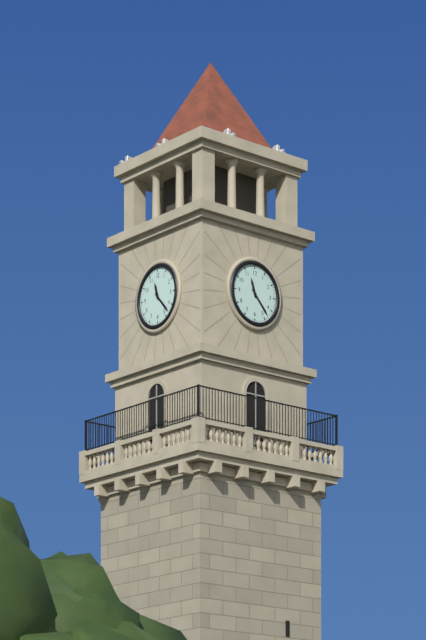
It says 11:23
